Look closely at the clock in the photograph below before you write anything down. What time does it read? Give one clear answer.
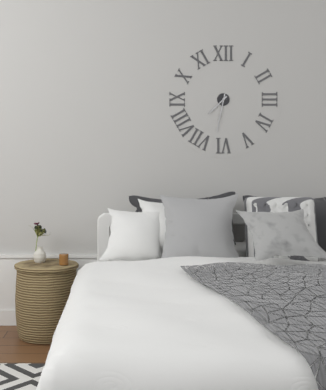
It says 7:32
